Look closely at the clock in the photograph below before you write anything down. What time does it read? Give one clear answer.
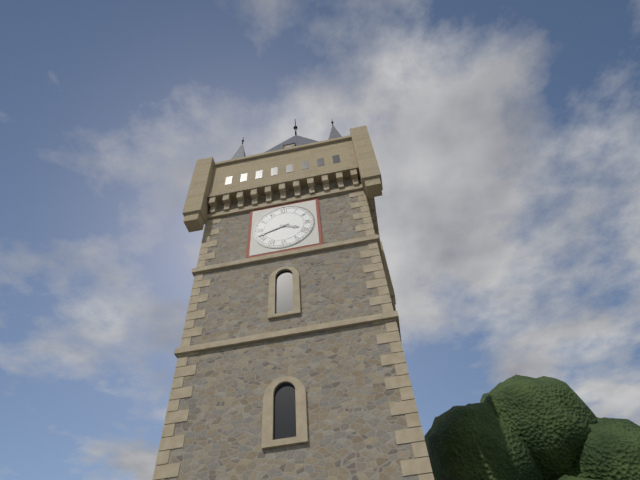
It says 3:42
